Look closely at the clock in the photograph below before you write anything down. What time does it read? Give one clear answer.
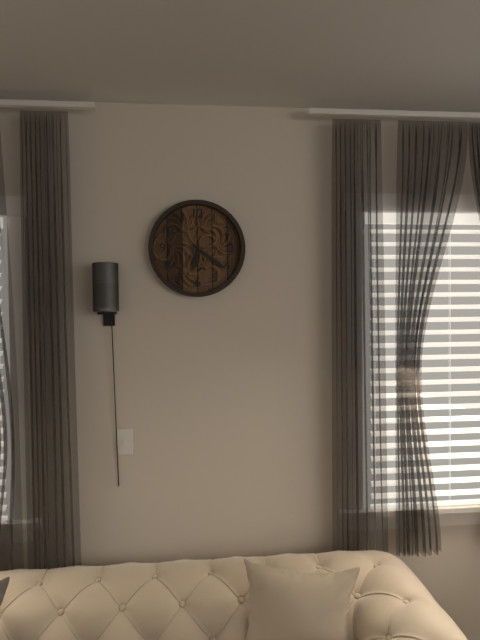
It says 6:21
